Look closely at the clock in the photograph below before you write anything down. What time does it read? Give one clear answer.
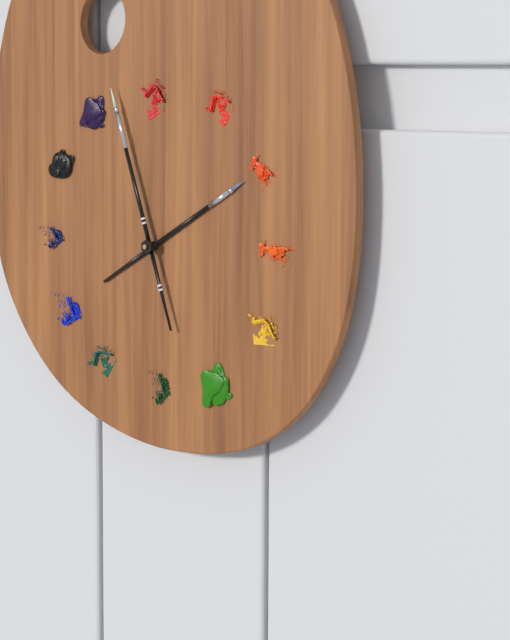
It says 1:57
